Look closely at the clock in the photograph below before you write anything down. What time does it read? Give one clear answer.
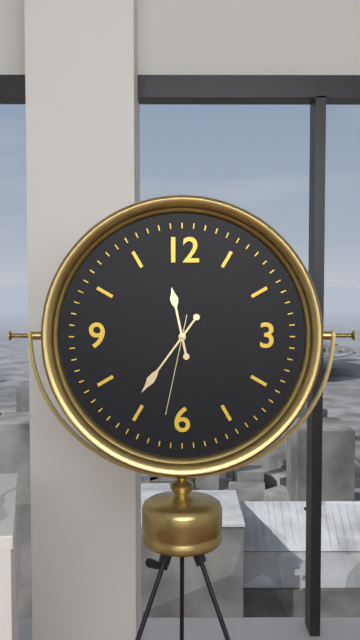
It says 11:36:32
